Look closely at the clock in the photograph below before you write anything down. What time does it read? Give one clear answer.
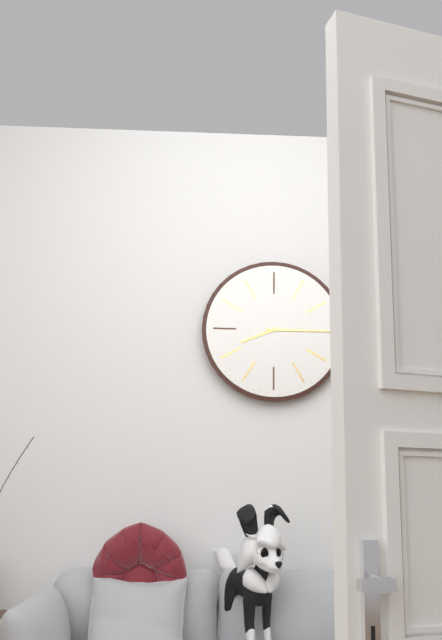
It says 8:15
